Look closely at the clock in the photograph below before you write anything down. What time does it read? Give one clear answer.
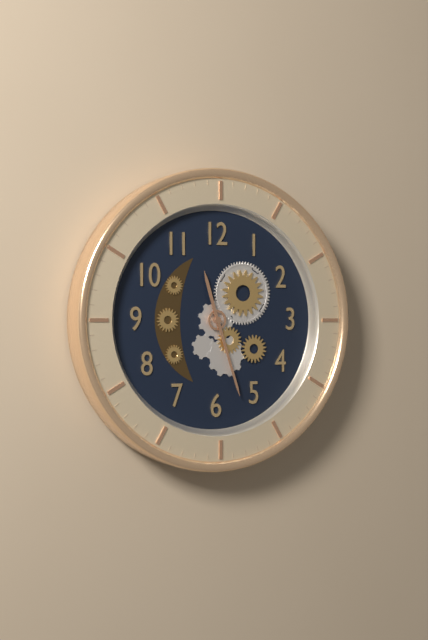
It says 11:27
